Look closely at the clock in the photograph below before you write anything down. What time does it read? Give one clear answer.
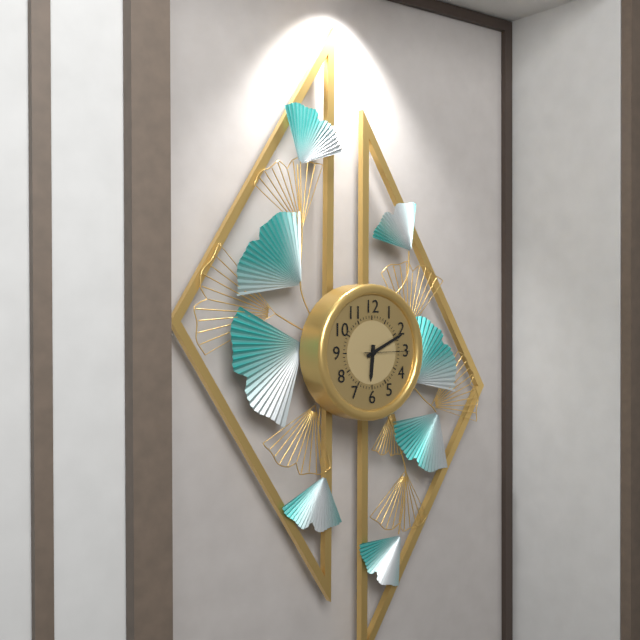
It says 6:11
